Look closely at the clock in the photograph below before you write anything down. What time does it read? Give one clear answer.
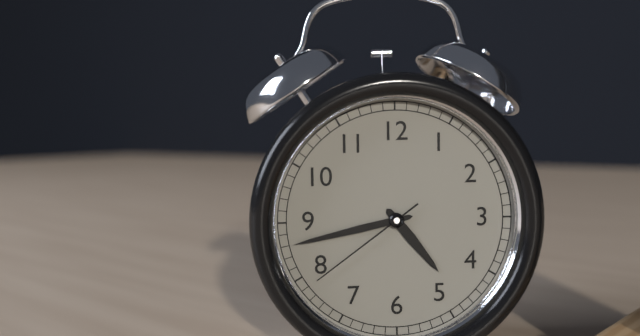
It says 4:43:39
